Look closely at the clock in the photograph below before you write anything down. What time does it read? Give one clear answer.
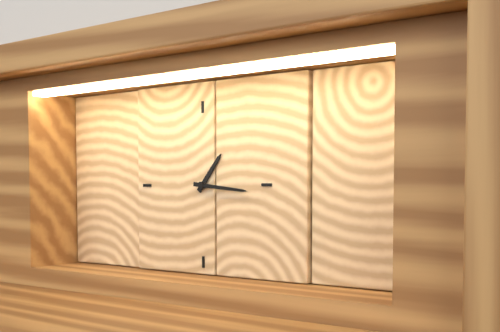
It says 1:16
